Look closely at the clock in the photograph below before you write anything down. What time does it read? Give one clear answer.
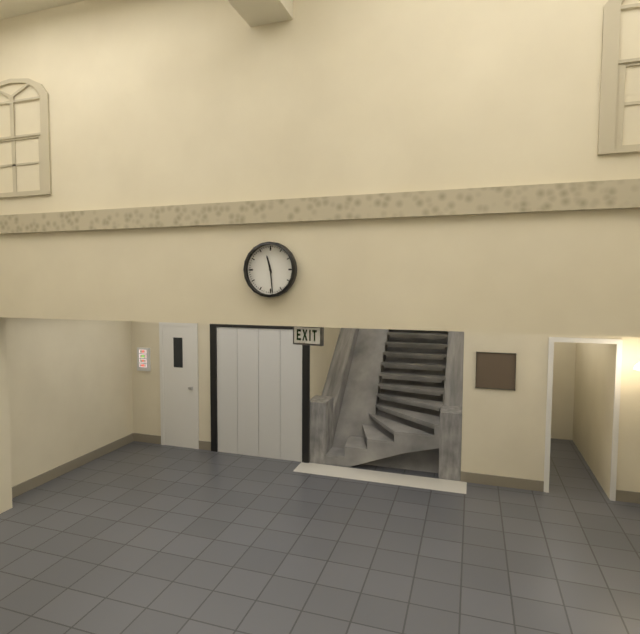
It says 11:29
